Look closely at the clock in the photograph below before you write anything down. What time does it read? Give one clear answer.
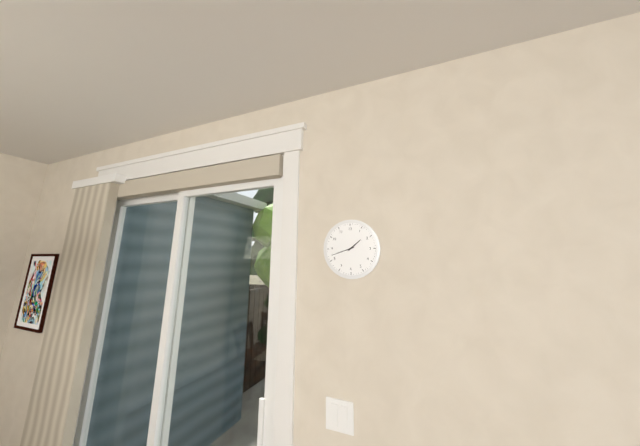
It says 1:42
